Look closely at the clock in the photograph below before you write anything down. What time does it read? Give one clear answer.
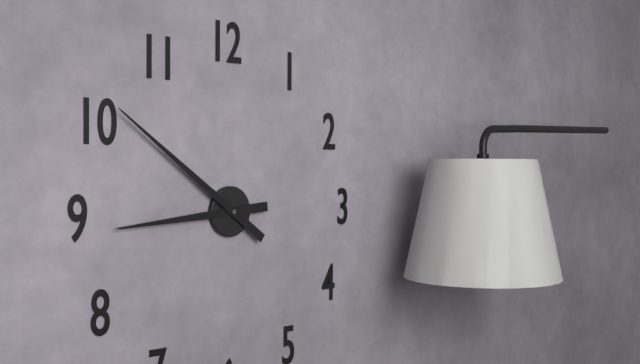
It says 8:51
